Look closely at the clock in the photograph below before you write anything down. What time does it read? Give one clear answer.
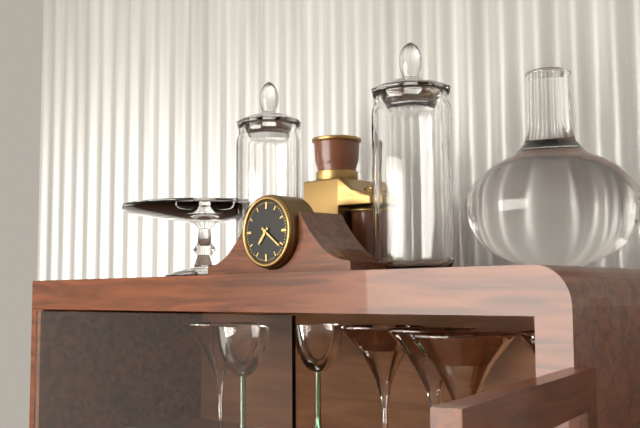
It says 7:21
